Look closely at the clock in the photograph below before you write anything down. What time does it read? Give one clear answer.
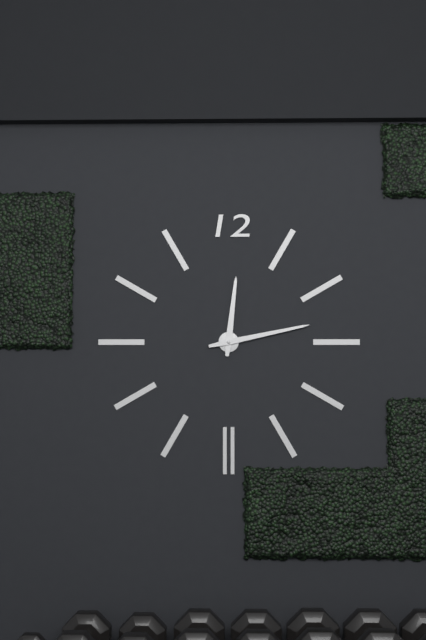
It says 12:13
